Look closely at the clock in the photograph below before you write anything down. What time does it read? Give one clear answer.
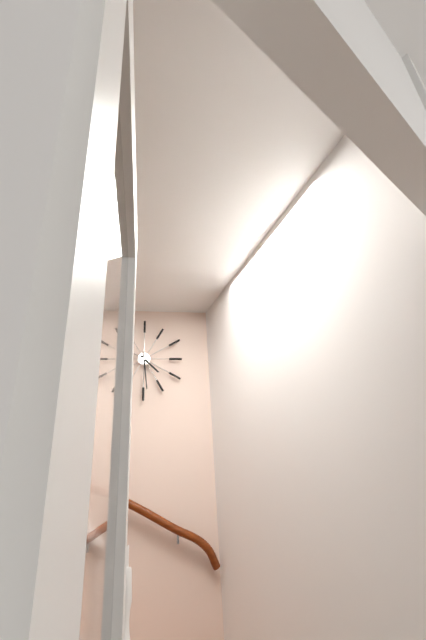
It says 4:29
